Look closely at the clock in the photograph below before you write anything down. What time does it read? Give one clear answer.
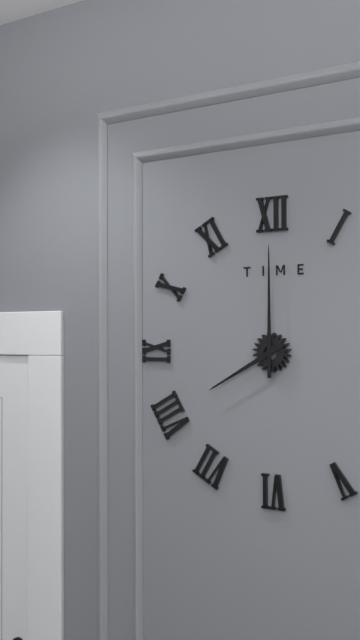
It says 8:00
